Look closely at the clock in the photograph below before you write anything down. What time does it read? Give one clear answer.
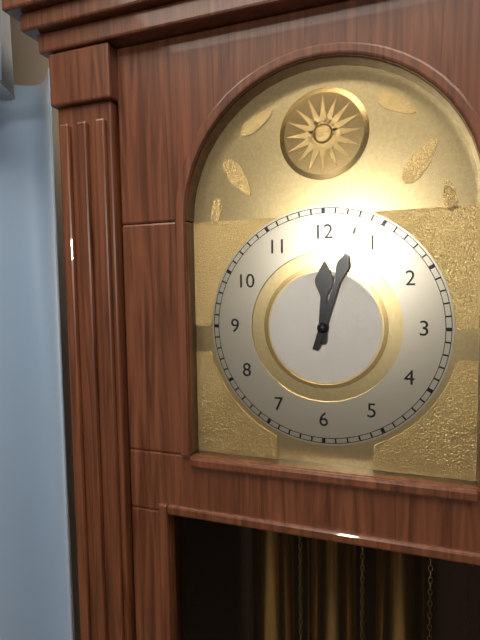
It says 12:03
